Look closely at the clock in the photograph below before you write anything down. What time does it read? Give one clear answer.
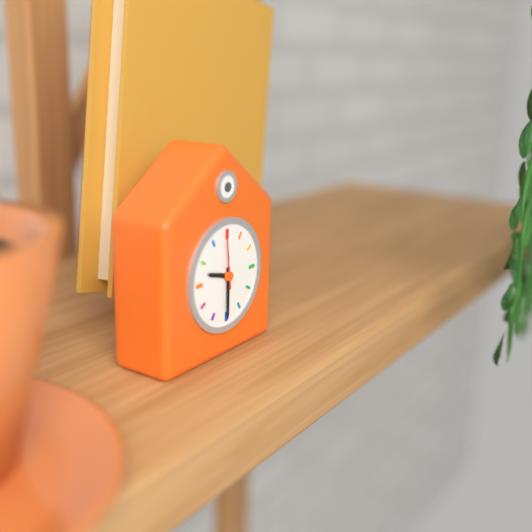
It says 9:30:59
